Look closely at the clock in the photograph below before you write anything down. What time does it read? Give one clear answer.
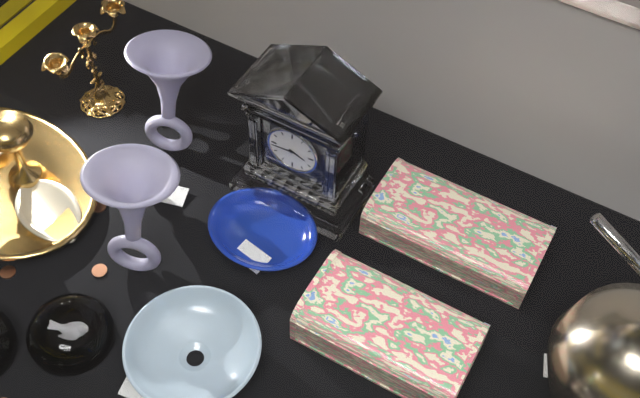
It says 3:44
